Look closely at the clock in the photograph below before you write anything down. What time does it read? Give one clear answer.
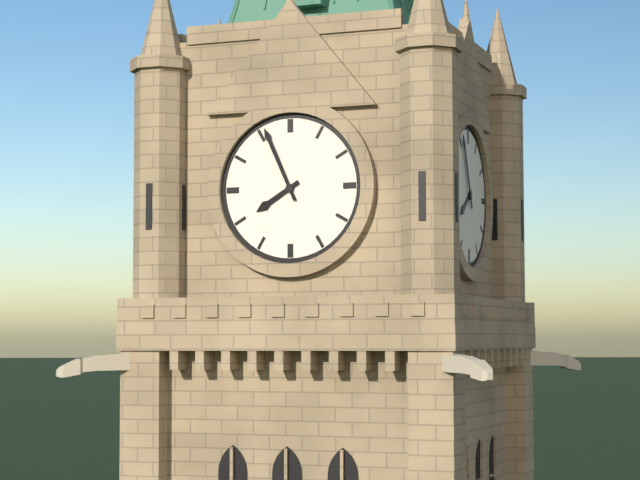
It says 7:56
